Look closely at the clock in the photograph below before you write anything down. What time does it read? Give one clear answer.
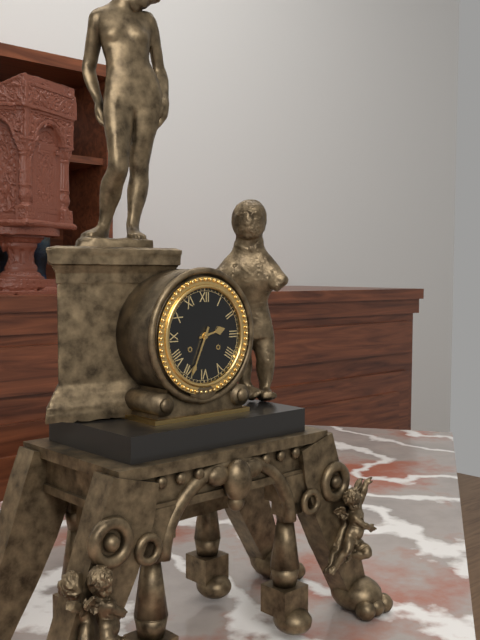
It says 2:34
